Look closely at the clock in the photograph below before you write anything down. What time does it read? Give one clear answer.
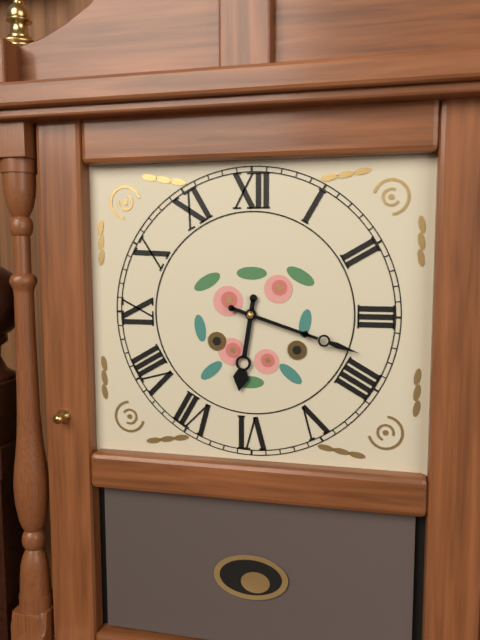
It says 6:18
